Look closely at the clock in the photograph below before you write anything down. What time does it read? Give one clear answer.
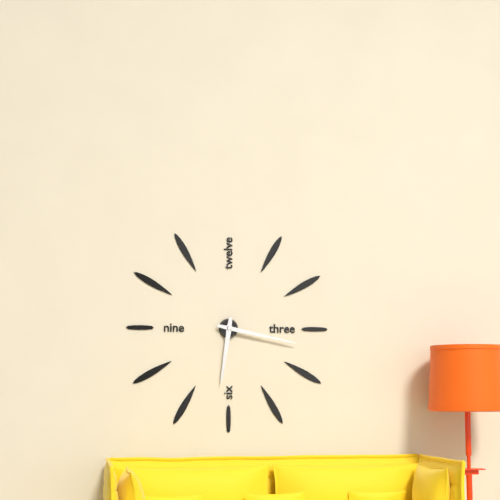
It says 6:17
